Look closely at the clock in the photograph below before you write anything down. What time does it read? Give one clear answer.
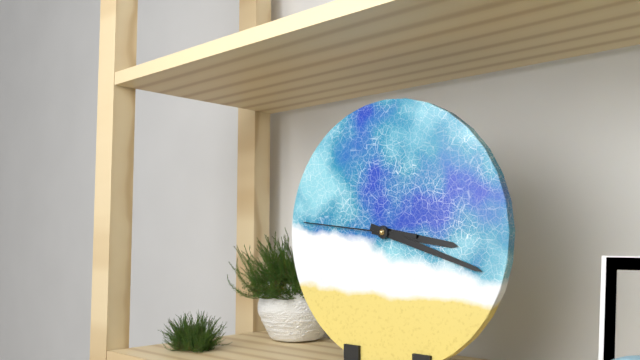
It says 3:18:46
